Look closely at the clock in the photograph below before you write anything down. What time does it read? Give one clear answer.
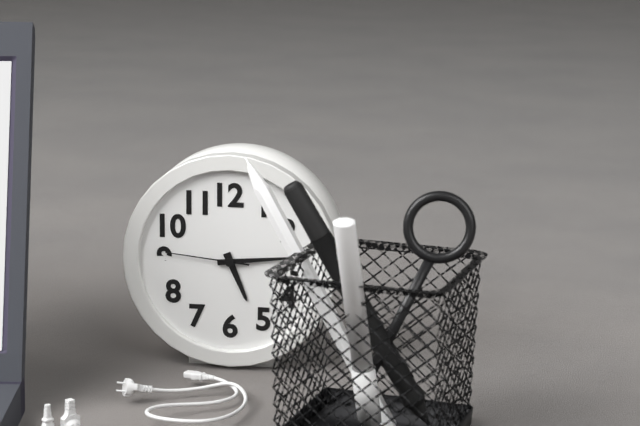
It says 5:14:46
